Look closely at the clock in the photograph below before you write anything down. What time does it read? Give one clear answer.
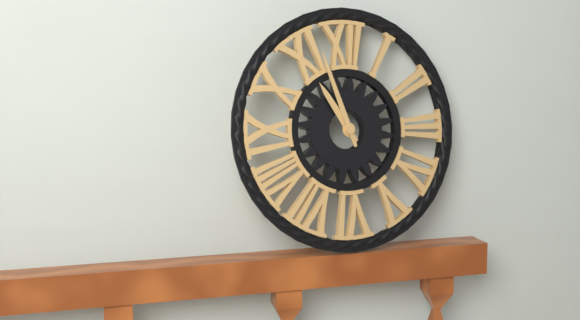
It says 10:57
